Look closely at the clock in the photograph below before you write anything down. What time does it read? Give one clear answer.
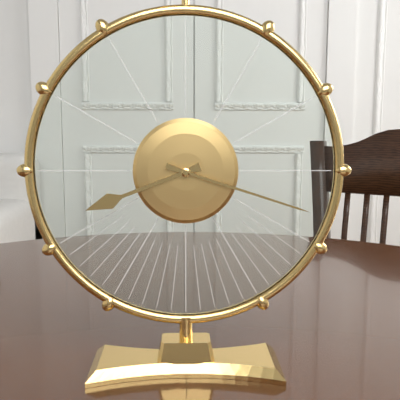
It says 8:18
